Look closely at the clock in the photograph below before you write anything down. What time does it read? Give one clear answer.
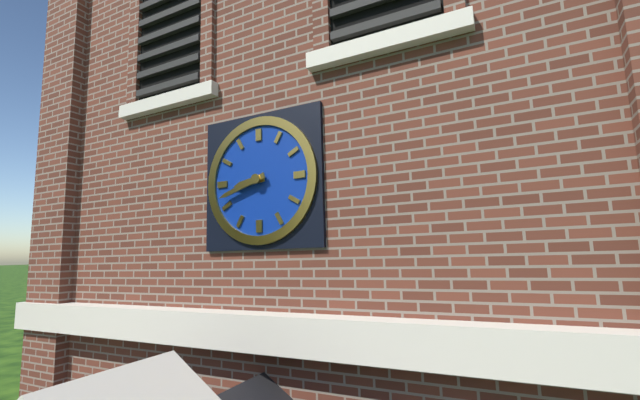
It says 8:42
